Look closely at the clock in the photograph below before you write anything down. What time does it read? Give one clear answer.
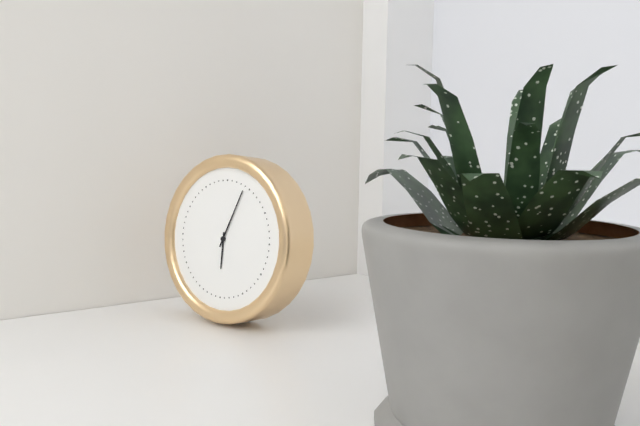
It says 6:04
